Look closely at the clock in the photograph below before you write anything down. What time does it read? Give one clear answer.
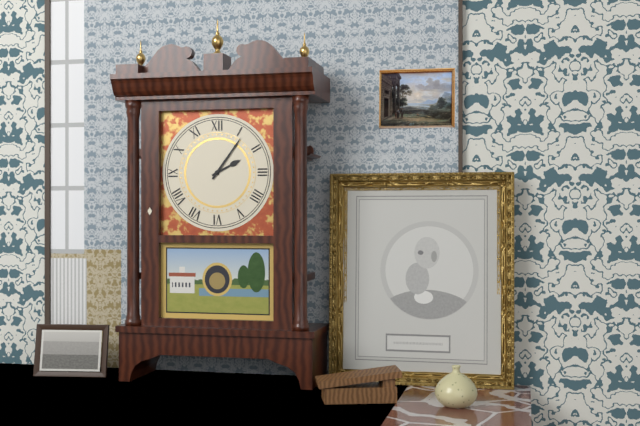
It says 2:06
